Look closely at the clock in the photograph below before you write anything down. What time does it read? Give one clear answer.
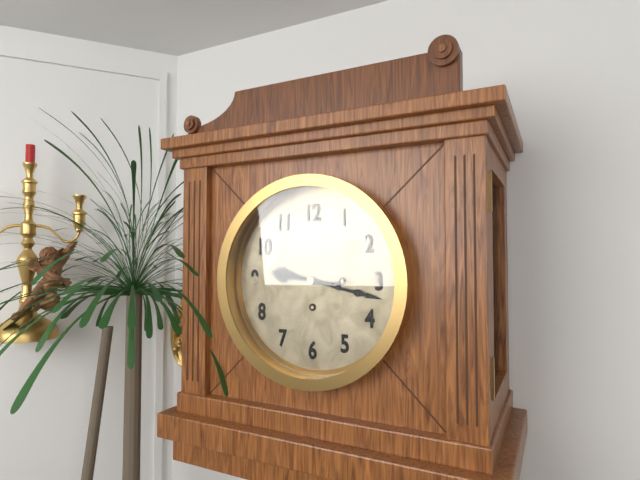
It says 9:17
